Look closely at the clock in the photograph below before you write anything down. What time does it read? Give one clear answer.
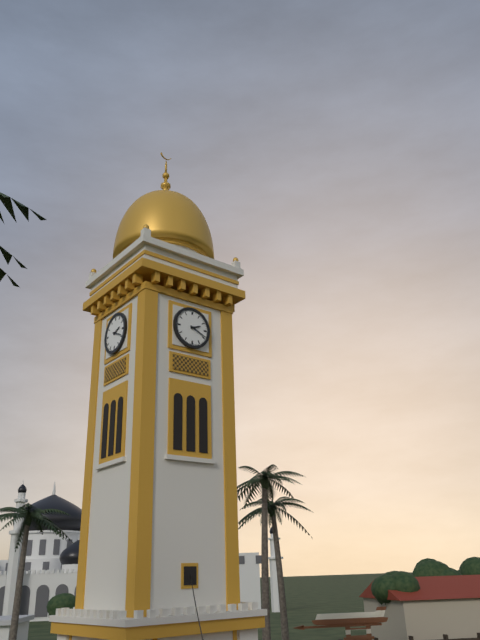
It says 2:19
